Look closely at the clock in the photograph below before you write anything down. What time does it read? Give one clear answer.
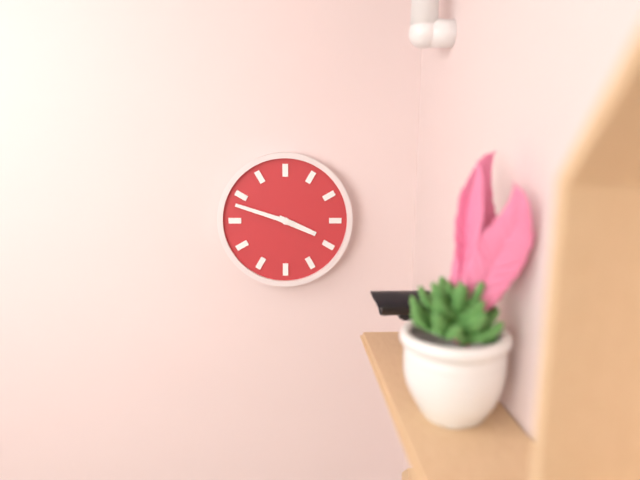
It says 3:48
